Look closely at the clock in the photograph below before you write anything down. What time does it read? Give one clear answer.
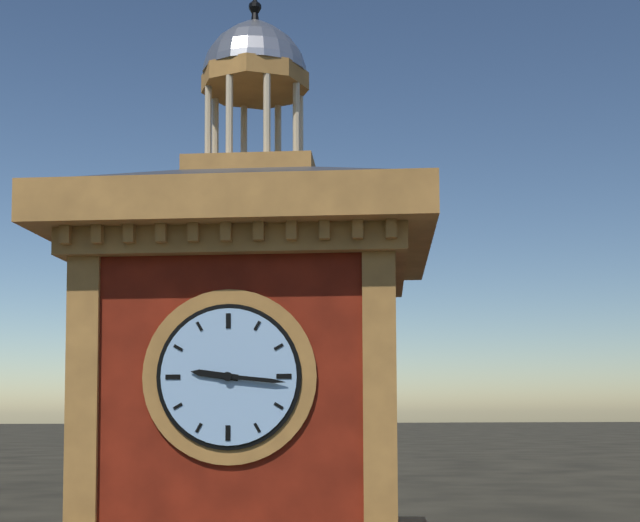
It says 9:16
